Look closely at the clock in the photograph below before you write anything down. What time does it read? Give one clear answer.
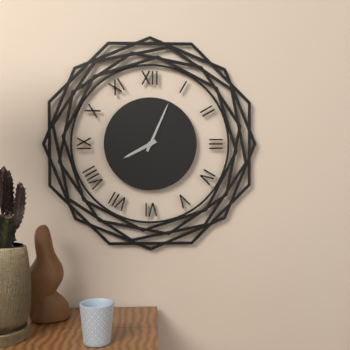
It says 8:04
